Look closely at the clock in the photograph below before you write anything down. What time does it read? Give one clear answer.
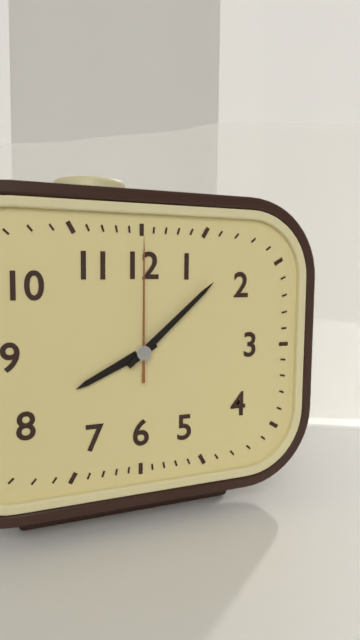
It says 8:08:00
